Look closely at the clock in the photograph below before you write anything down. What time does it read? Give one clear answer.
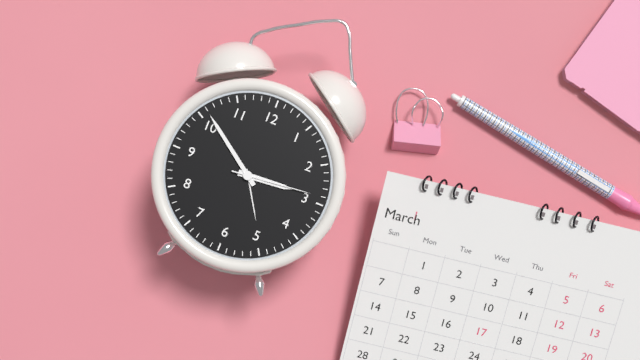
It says 2:51:14
